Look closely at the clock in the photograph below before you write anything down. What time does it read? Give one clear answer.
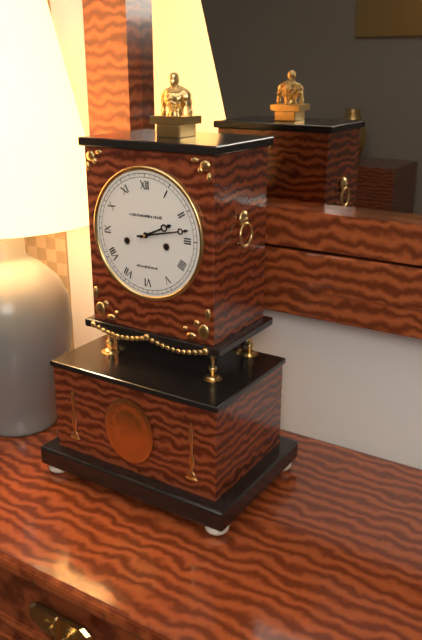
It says 2:13
